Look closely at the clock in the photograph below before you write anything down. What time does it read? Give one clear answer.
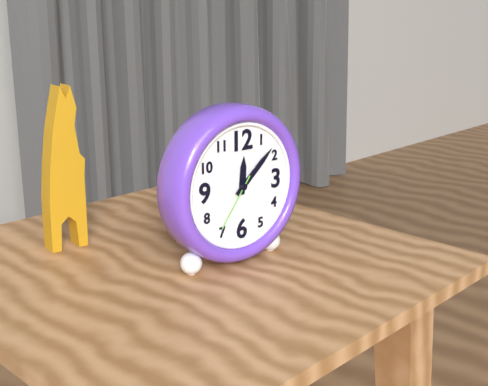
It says 12:08:36
